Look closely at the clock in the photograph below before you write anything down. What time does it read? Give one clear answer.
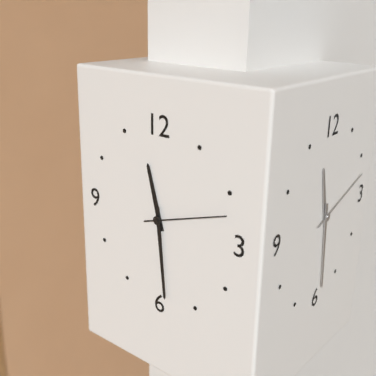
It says 11:29:12
